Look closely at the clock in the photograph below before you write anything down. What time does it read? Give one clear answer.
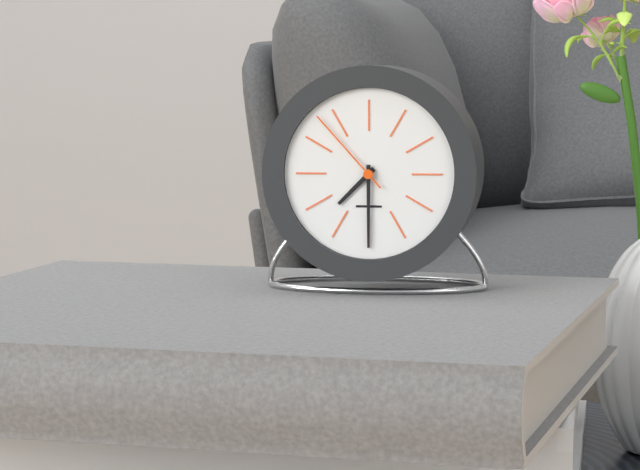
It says 7:30:53
